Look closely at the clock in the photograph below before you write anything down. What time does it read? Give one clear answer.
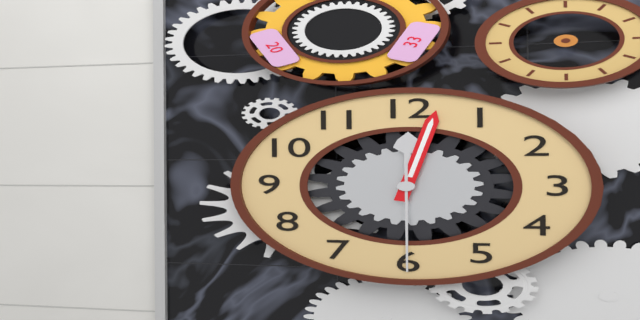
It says 12:02:30
